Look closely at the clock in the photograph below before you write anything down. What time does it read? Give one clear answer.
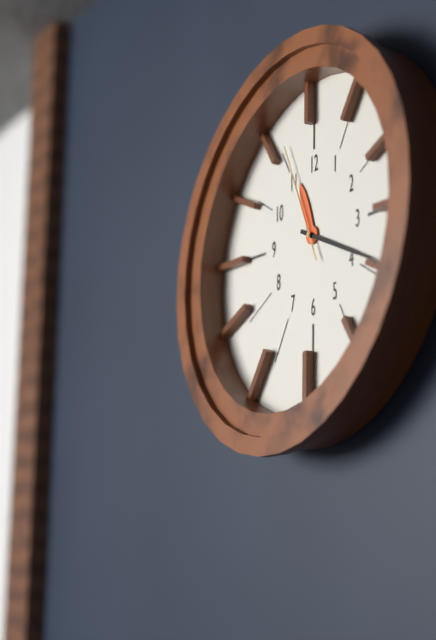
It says 11:19:56
